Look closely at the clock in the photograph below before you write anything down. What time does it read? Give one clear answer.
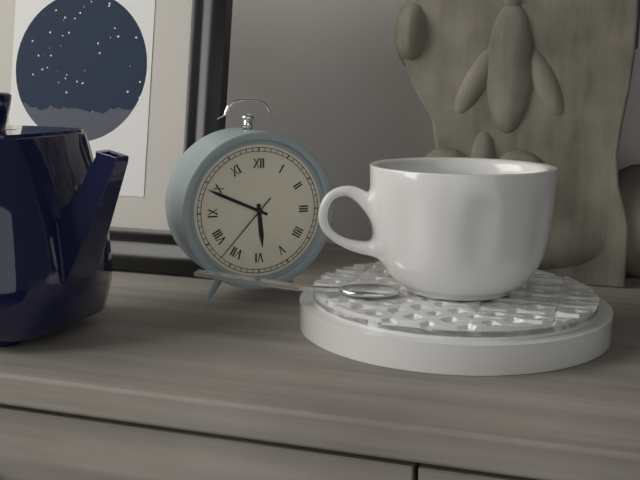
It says 5:49:37
